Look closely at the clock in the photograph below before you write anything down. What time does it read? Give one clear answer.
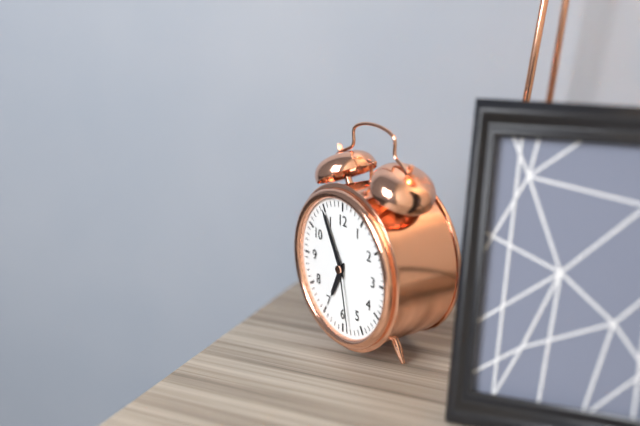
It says 6:55:28
